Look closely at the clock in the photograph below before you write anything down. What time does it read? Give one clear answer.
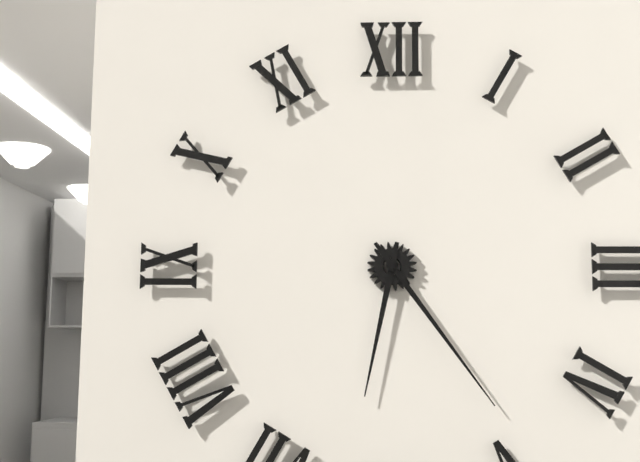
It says 6:24
